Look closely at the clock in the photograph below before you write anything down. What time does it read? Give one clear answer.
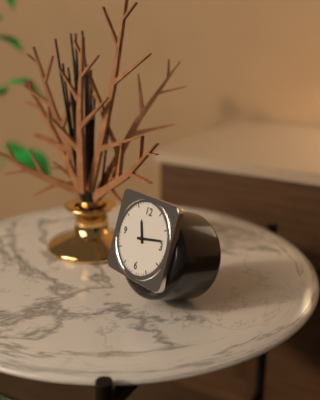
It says 11:13
